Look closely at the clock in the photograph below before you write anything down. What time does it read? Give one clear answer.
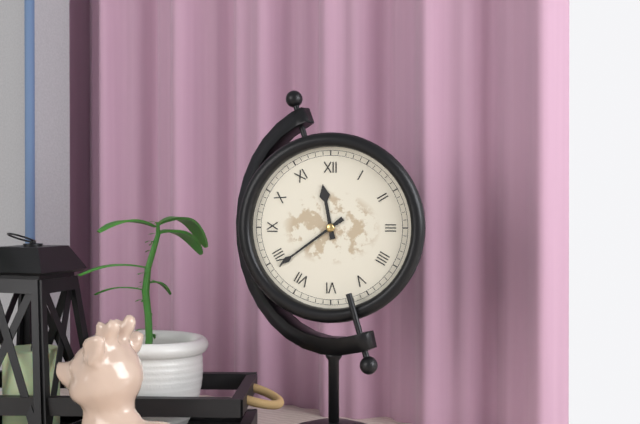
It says 11:39
